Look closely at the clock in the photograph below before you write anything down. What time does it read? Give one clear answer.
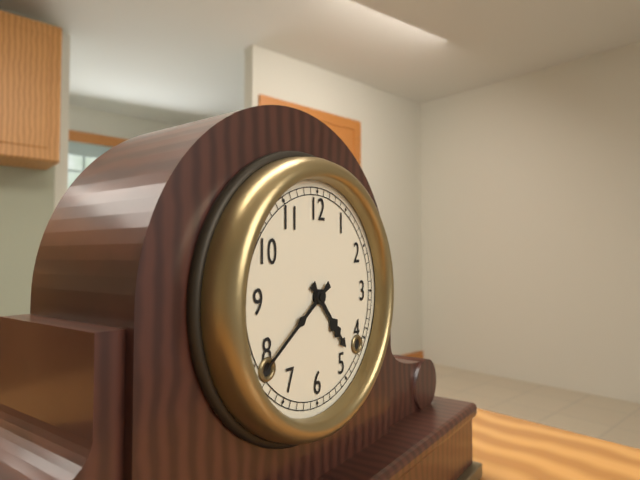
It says 4:39
